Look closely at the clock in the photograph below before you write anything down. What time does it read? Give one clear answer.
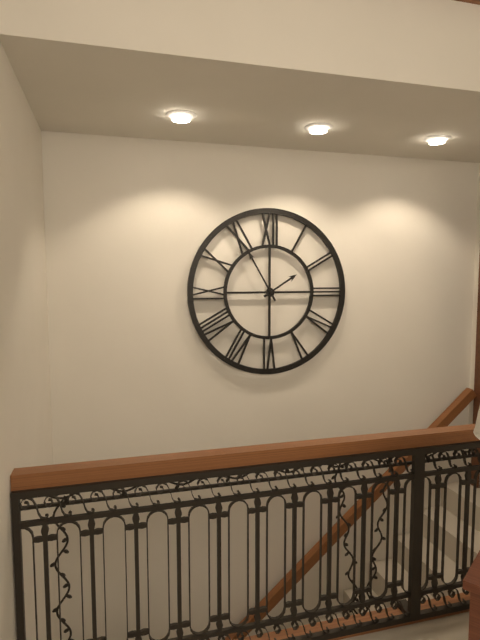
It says 1:55
